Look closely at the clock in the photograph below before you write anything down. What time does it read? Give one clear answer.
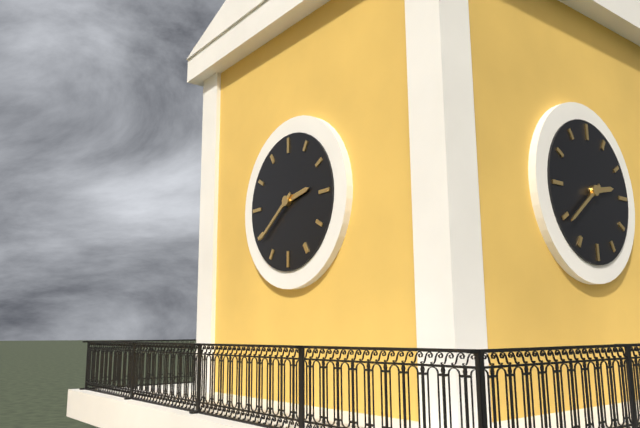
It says 2:39
